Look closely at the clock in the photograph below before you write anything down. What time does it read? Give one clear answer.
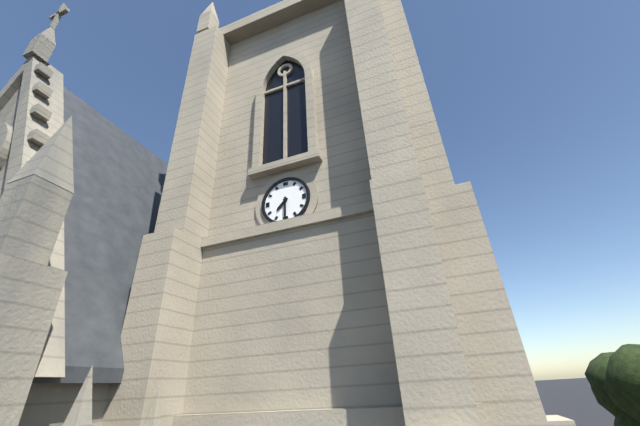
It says 7:30
